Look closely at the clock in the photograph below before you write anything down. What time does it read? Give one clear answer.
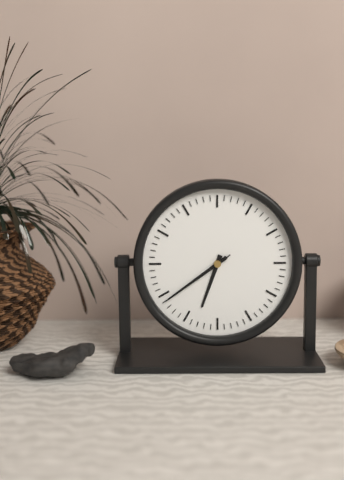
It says 6:39:39
